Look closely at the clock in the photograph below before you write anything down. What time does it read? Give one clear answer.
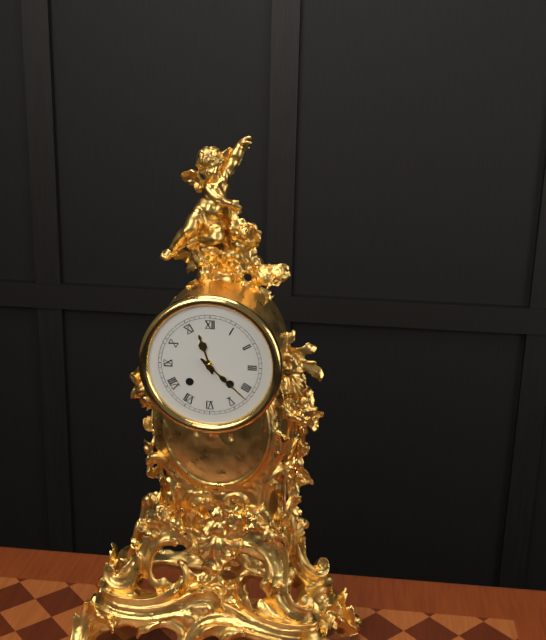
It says 11:22
